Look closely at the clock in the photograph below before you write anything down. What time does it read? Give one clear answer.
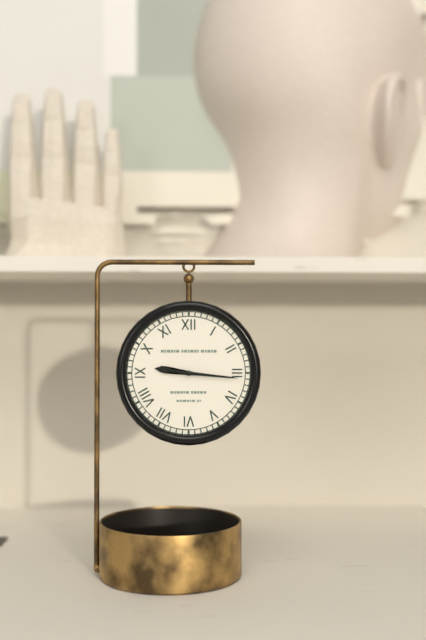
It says 9:16
